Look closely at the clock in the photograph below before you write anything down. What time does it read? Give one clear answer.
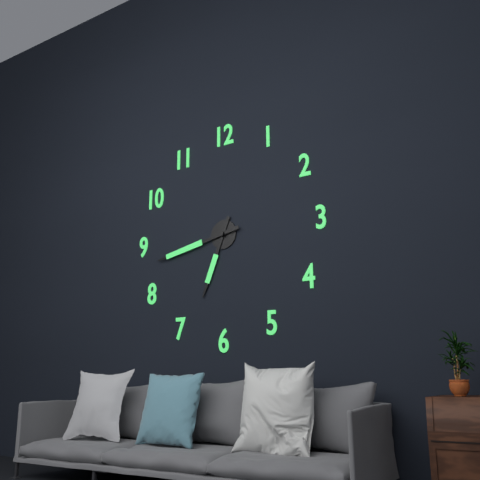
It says 6:43
